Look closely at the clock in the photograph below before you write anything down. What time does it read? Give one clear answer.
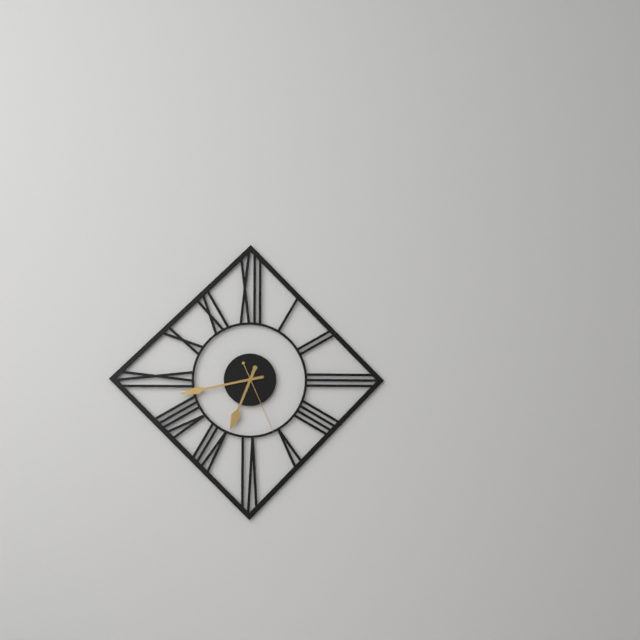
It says 6:43:26
